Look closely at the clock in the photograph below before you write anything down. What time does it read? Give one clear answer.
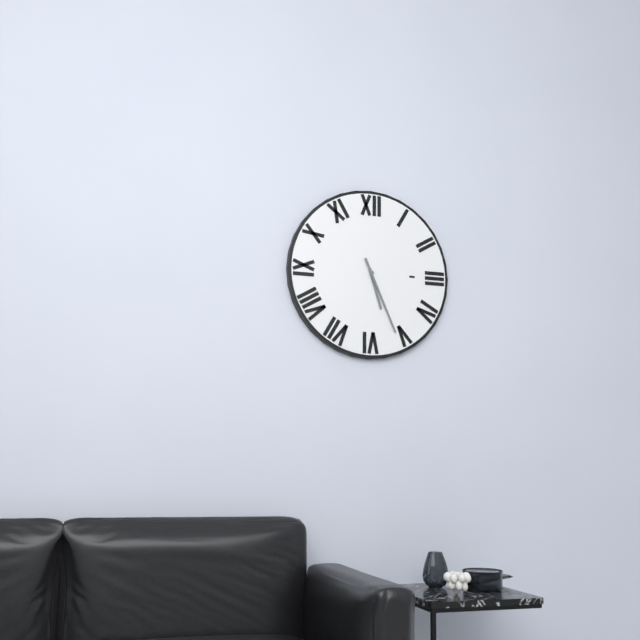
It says 5:26
